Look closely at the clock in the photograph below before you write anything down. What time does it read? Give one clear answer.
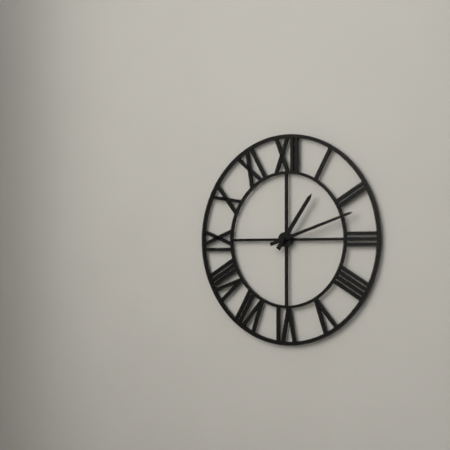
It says 1:12
